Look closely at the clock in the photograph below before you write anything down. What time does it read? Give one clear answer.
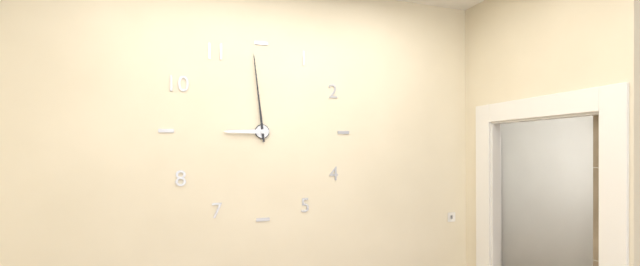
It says 8:59
